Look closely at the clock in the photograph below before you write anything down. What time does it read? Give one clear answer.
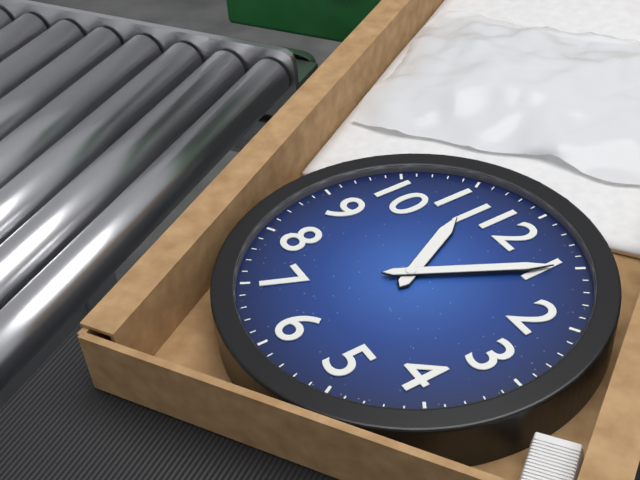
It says 11:05
